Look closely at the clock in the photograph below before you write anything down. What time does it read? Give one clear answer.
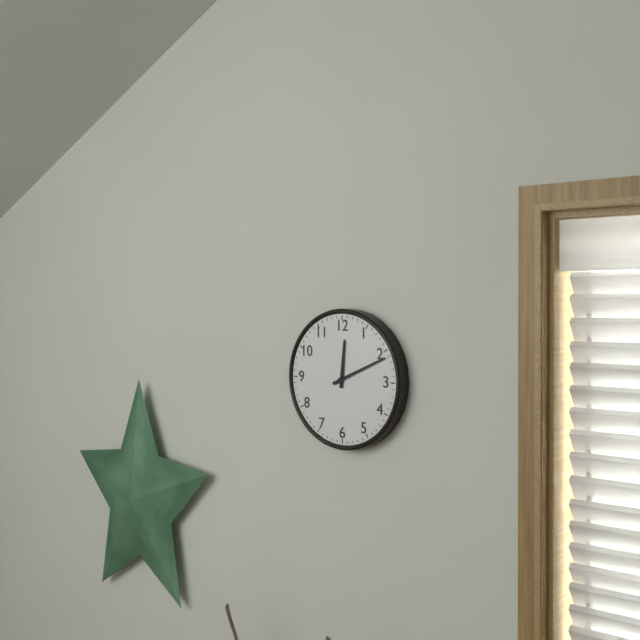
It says 12:11
